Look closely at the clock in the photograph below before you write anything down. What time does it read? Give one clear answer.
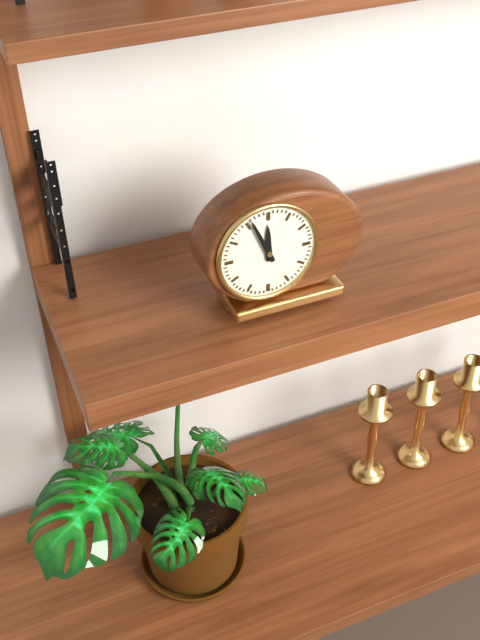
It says 11:56
